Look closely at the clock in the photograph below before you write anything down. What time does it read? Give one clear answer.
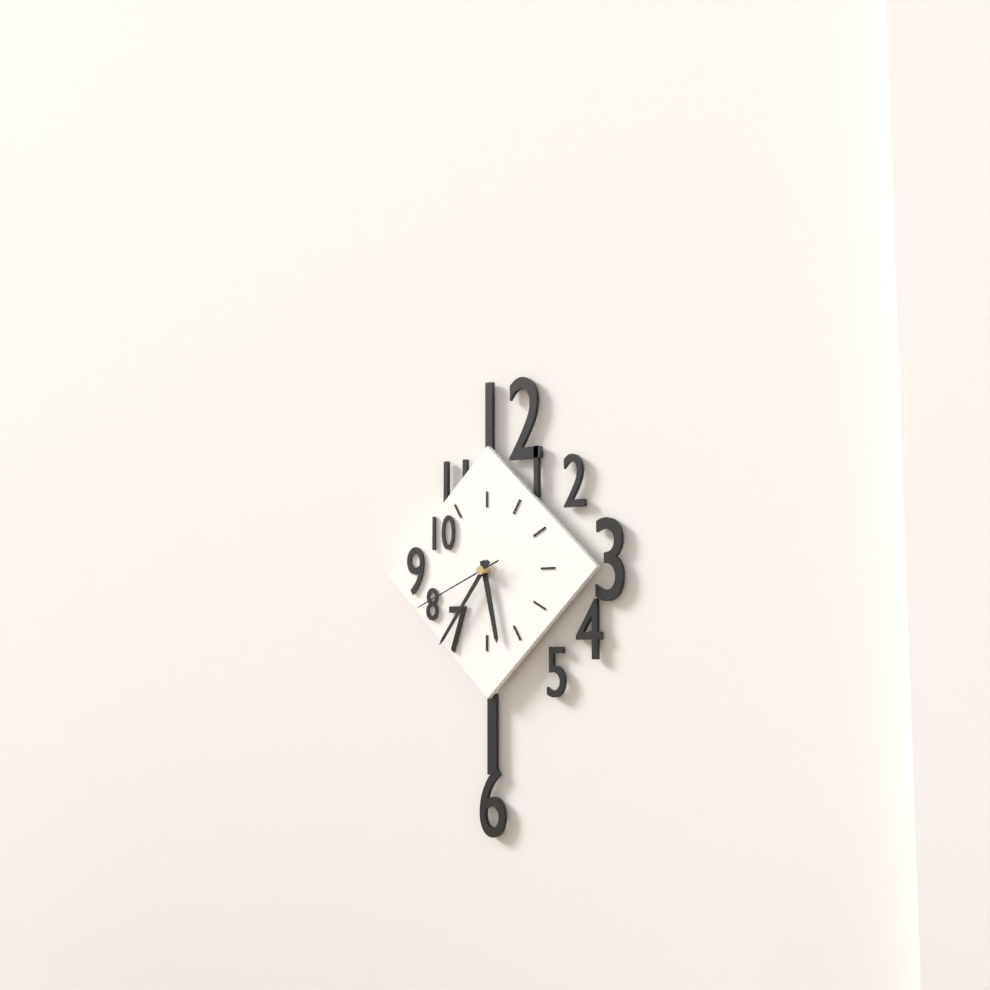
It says 5:36:41
